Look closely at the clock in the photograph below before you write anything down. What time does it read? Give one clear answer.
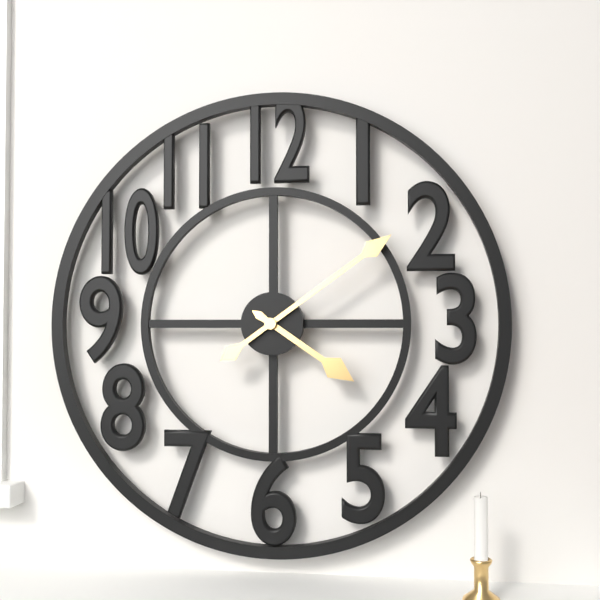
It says 4:09
